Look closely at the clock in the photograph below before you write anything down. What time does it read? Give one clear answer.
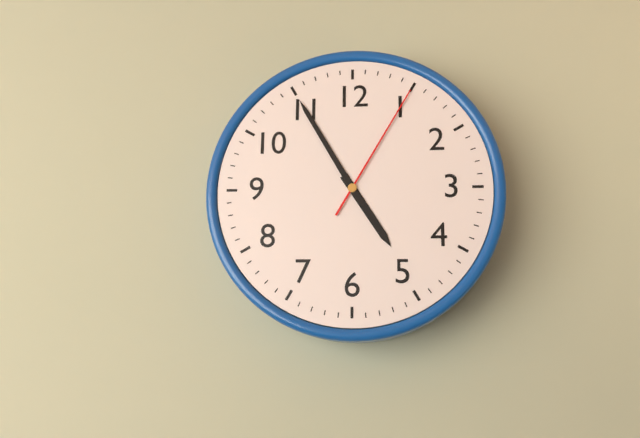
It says 4:55:05
